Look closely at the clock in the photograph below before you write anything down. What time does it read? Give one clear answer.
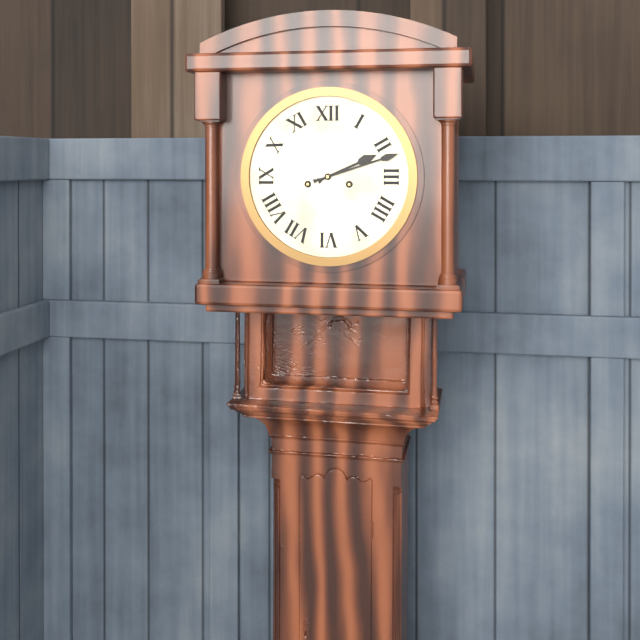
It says 2:12
